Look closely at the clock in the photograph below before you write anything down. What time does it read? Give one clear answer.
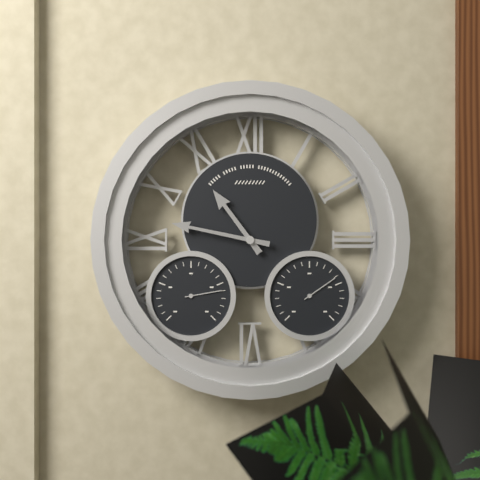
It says 10:47
